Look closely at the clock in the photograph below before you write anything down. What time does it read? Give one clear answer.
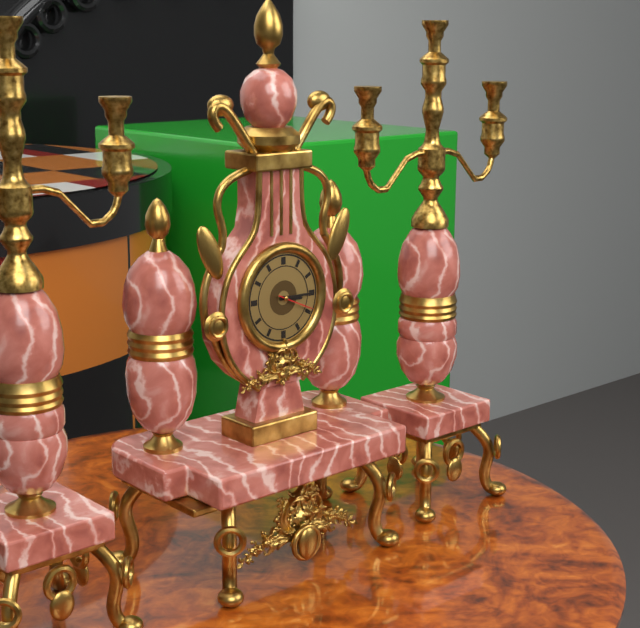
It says 3:15
